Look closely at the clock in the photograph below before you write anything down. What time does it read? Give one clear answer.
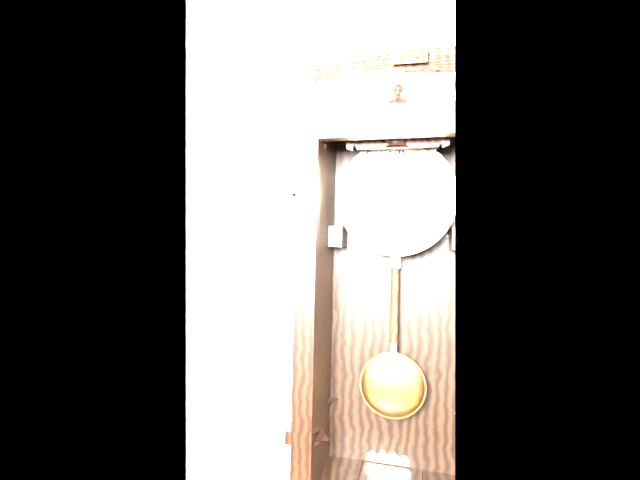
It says 12:53
